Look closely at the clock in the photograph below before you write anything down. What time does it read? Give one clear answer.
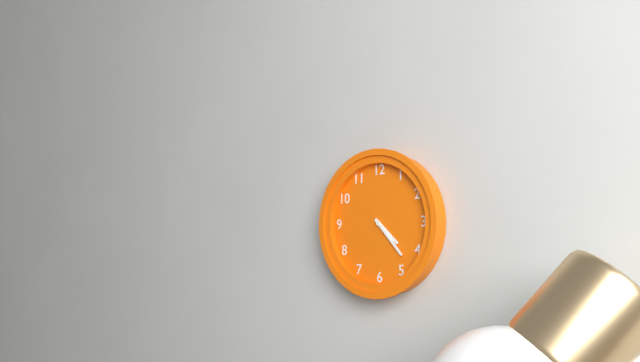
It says 4:23
